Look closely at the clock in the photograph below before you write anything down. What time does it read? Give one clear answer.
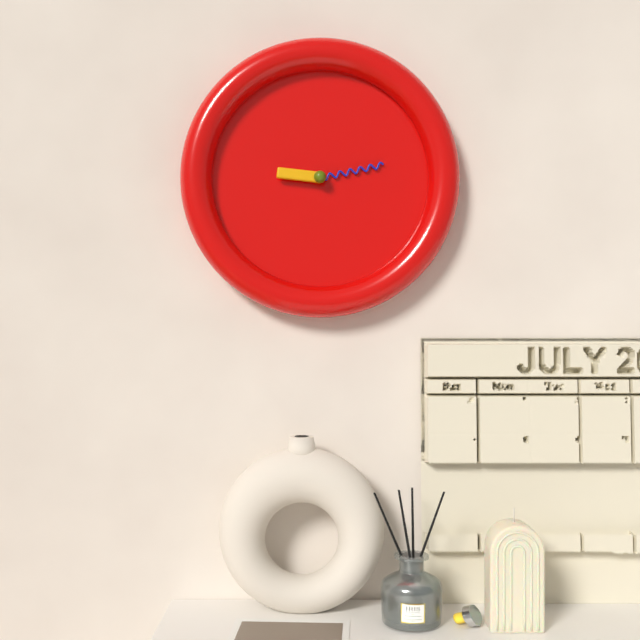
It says 9:13
